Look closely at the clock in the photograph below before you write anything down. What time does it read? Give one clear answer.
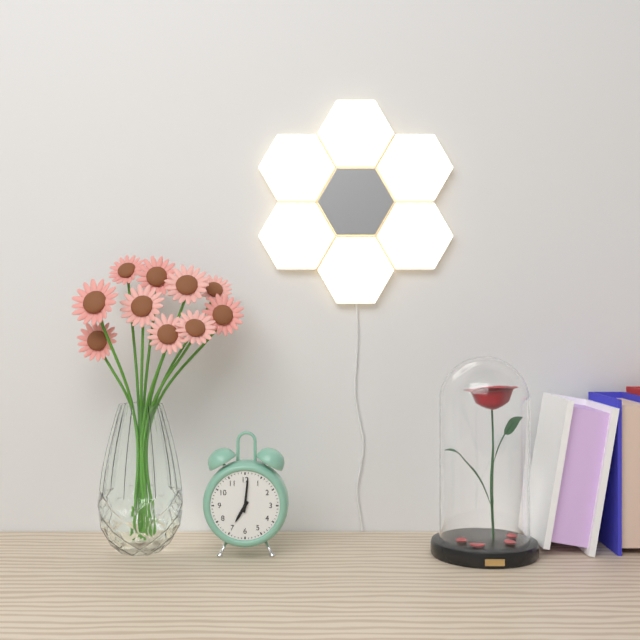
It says 7:01
